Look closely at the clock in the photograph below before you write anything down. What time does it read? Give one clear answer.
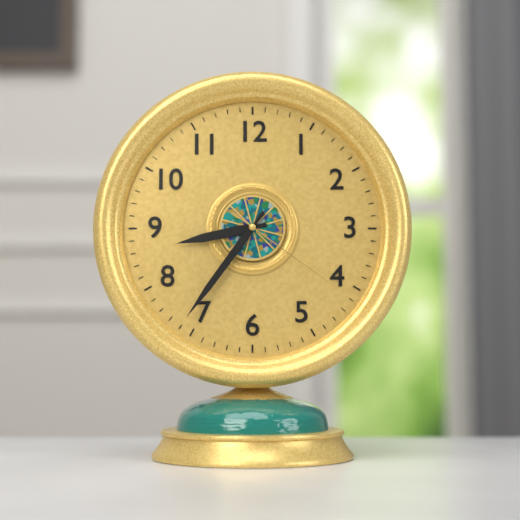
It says 8:36:21
